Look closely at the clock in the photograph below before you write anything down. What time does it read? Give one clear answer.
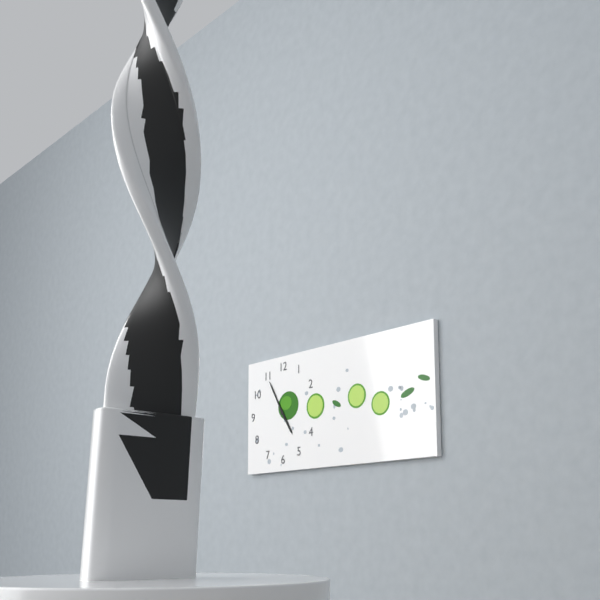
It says 4:55
